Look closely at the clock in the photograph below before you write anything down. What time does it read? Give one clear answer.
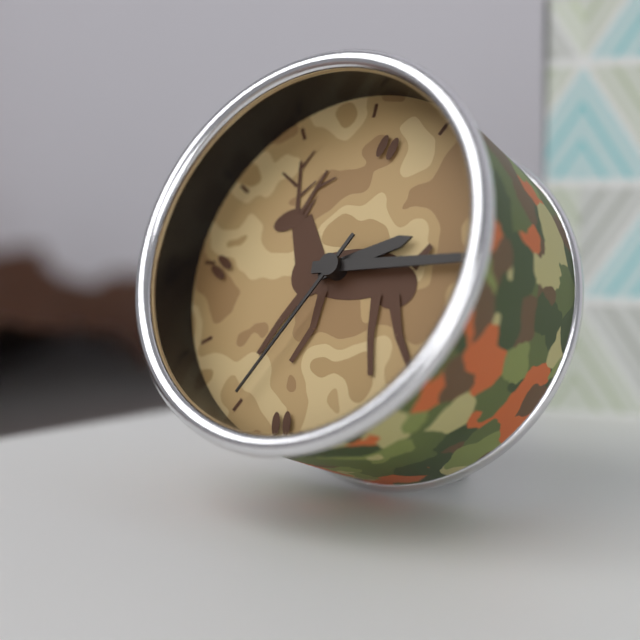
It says 2:14:35
